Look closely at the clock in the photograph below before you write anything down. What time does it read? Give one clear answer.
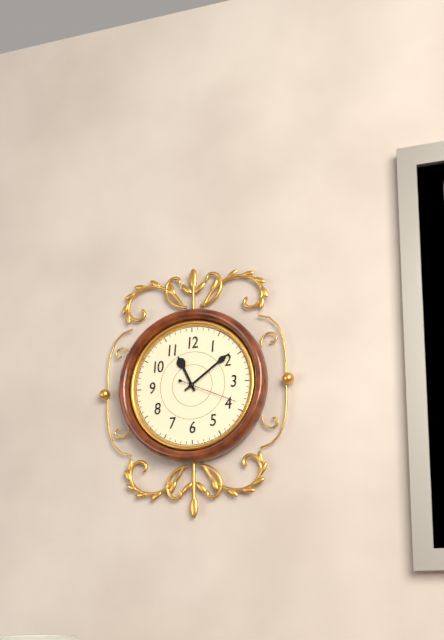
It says 11:09:19
